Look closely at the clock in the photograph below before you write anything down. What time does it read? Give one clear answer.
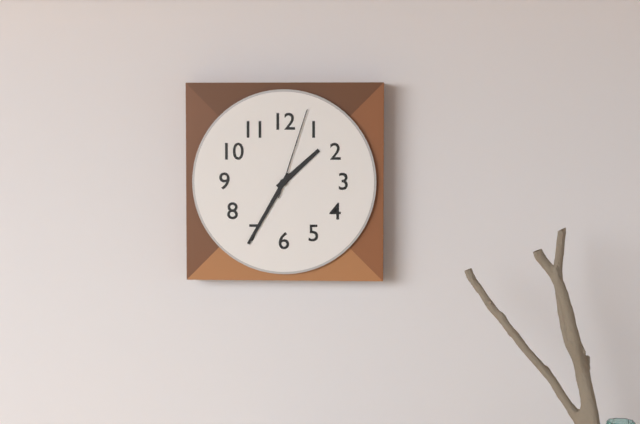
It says 1:35:03
